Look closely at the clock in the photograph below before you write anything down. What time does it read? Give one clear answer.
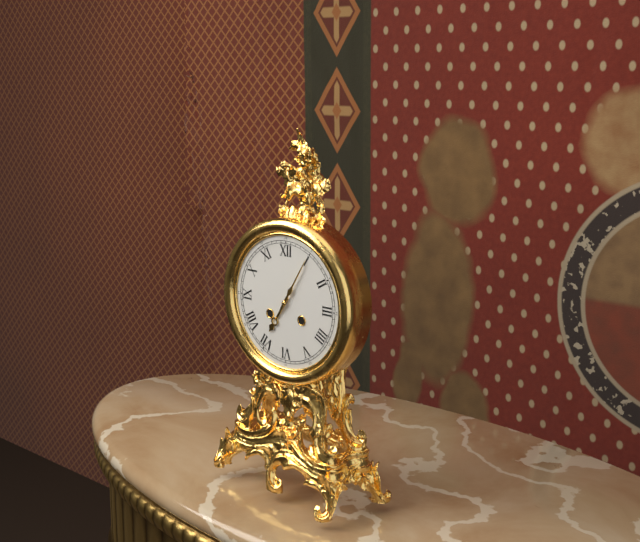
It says 7:05
